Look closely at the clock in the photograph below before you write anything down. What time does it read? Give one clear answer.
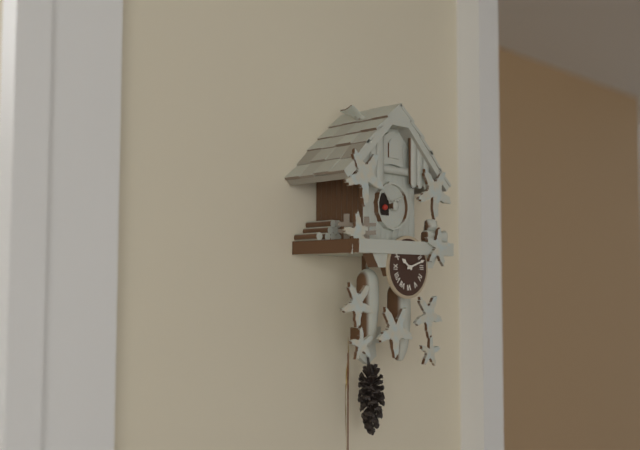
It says 10:12
